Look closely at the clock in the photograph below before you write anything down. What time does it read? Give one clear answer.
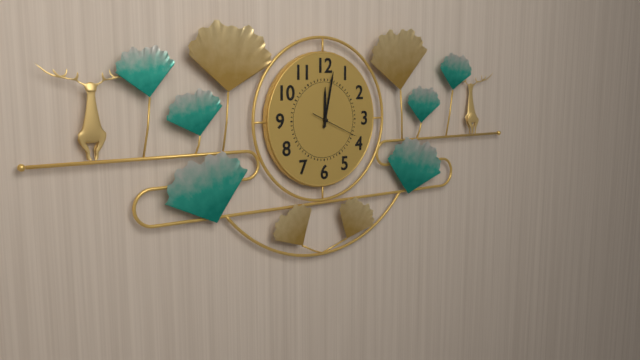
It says 12:02
